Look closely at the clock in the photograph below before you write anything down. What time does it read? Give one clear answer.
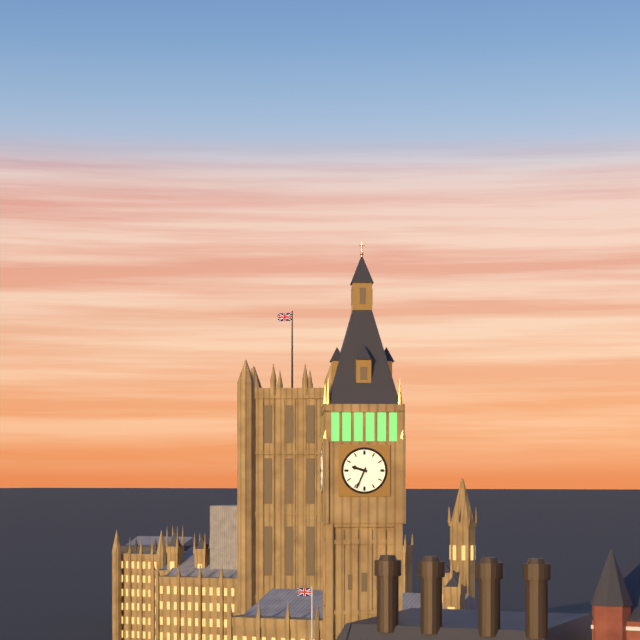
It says 9:34
